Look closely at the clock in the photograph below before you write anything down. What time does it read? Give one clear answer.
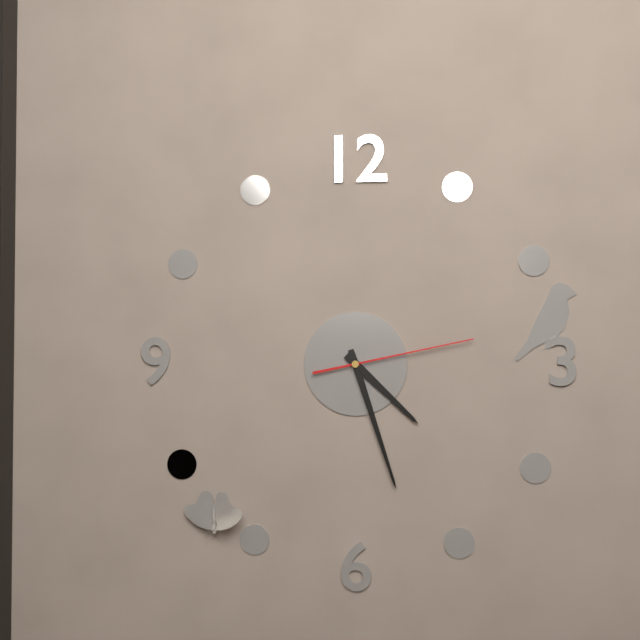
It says 4:27:13
